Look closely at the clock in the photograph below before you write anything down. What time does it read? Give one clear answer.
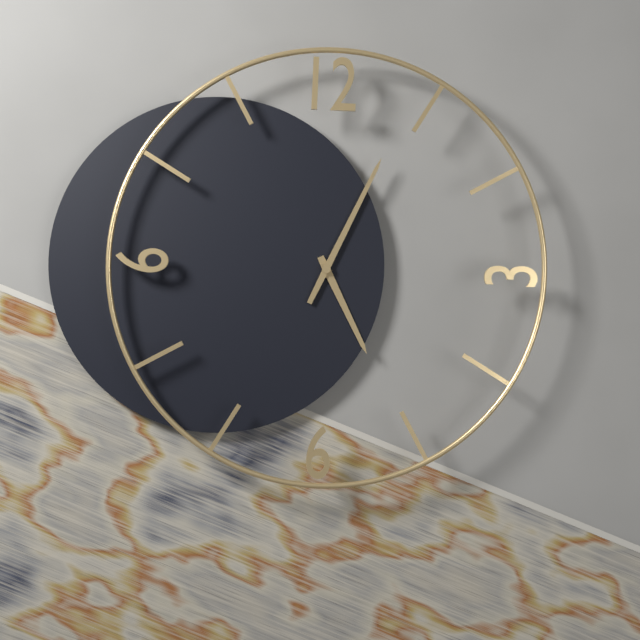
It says 5:04
